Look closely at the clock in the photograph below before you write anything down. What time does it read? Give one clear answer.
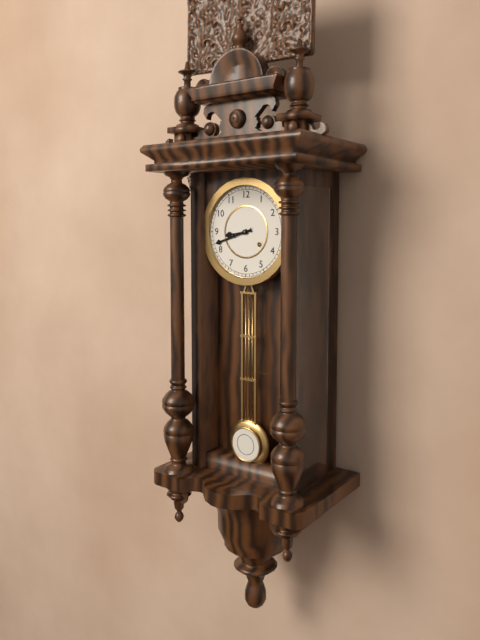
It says 8:42
